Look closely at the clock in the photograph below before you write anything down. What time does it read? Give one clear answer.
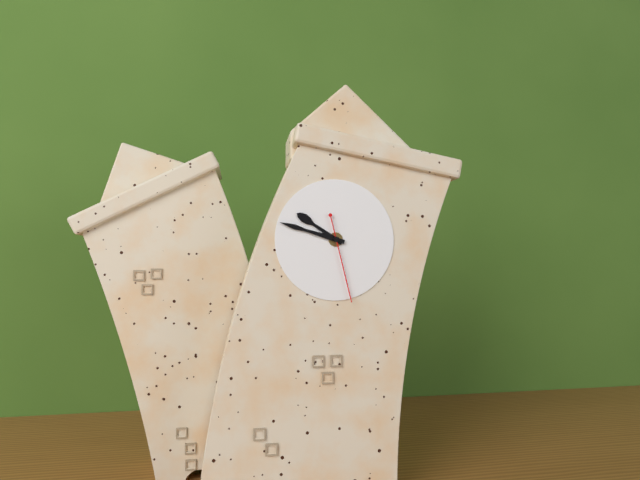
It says 9:46:26
